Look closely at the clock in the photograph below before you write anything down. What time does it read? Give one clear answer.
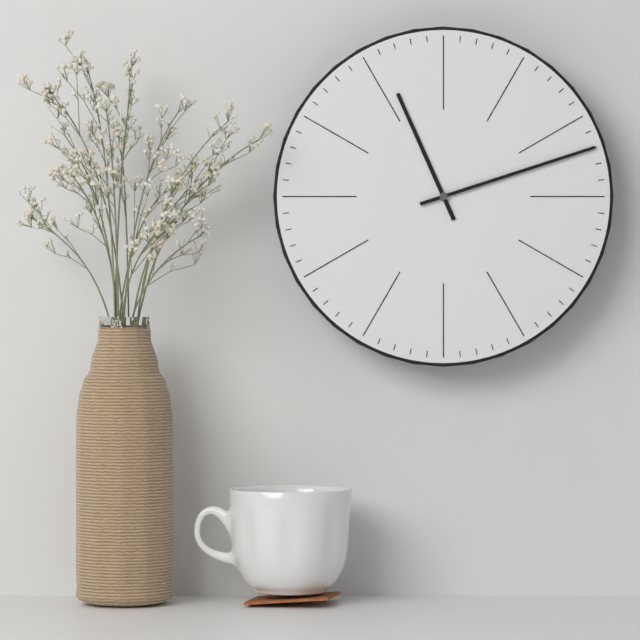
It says 11:12
